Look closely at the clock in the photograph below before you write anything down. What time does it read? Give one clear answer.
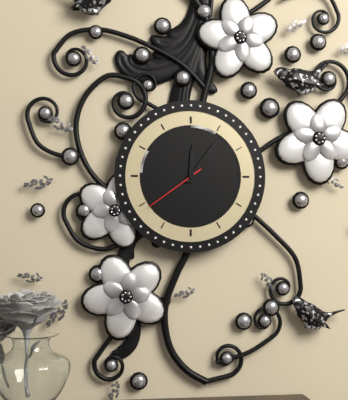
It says 12:06:39
